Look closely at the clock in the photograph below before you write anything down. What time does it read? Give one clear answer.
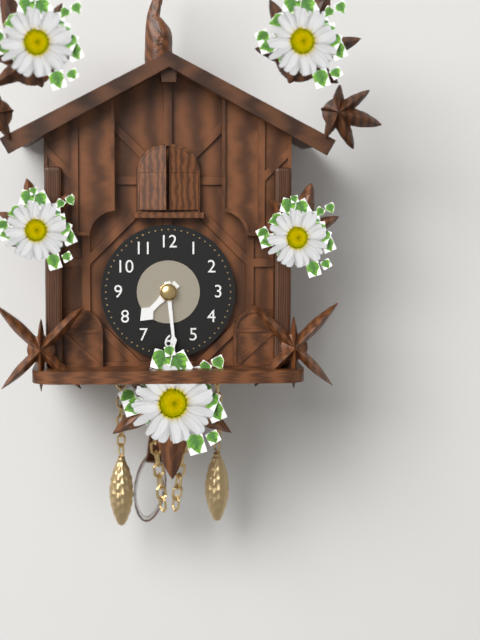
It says 7:29
